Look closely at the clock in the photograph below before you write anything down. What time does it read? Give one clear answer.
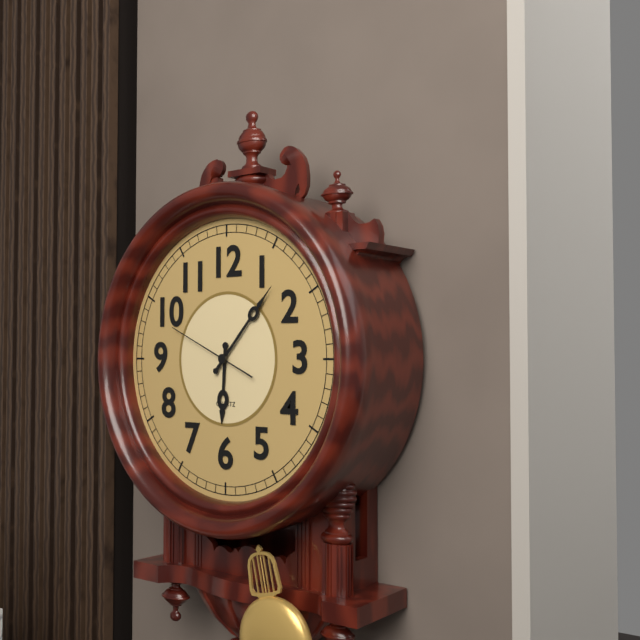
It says 6:07:49
